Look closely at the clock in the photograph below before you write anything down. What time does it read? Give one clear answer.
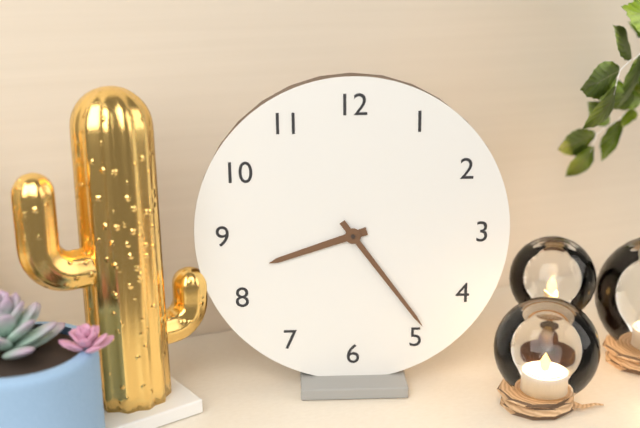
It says 8:24
